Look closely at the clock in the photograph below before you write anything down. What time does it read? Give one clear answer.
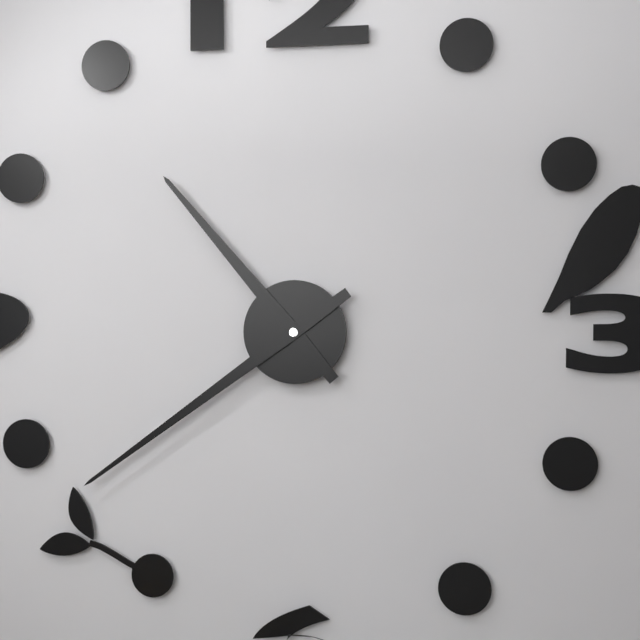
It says 10:39
